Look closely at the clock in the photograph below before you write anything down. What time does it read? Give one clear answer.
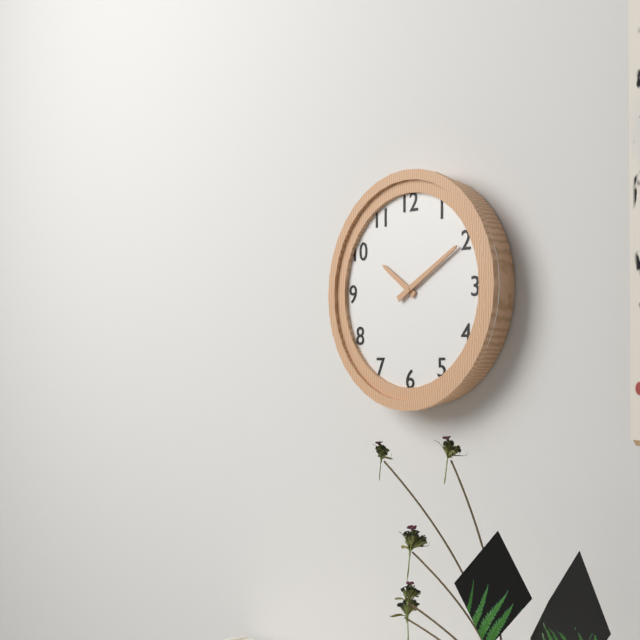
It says 10:10
